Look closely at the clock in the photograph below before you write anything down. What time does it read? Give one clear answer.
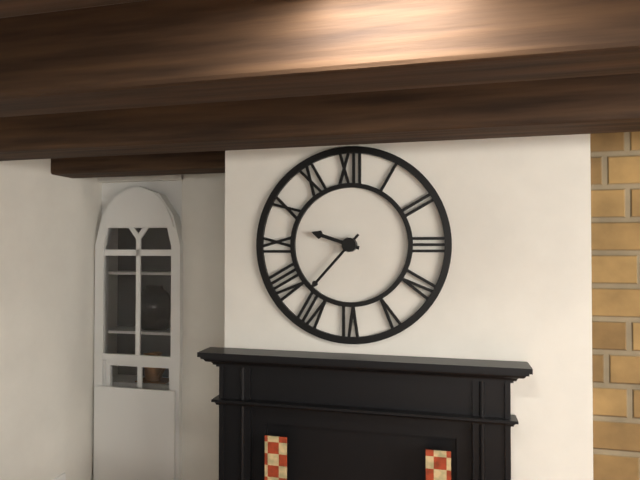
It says 9:37
